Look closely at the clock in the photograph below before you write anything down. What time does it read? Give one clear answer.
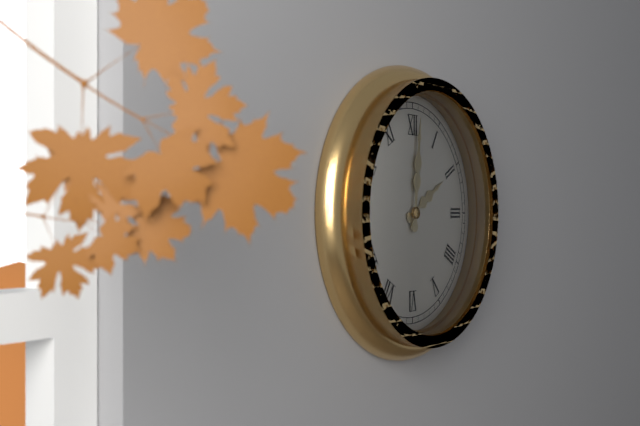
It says 2:01
